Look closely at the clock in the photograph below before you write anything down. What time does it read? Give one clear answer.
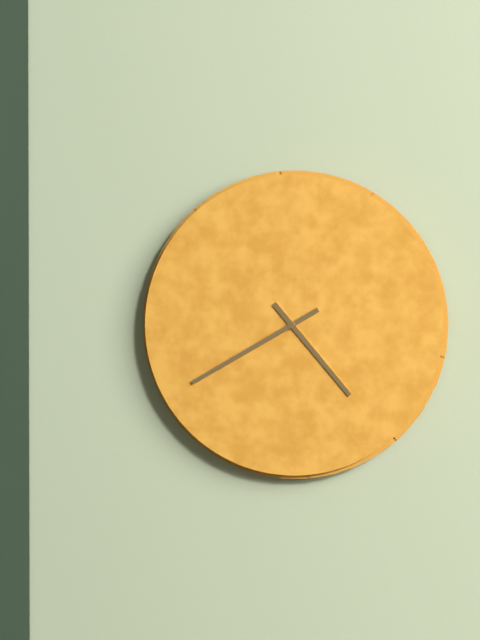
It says 4:40
